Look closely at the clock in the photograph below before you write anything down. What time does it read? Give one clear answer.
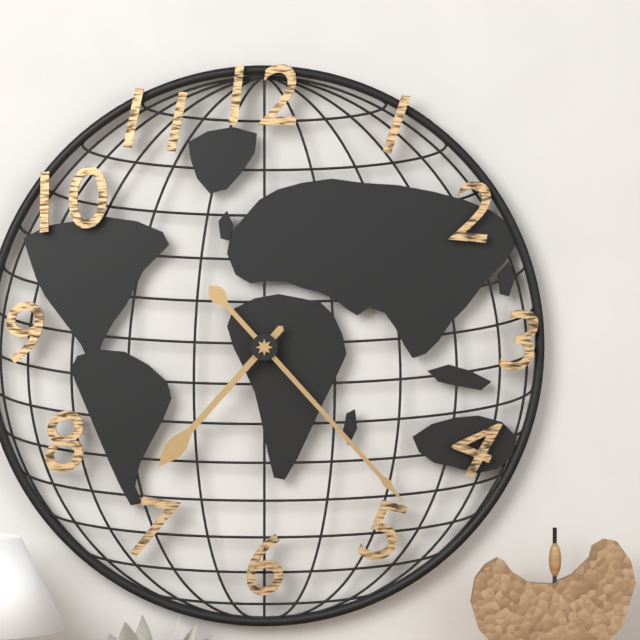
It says 7:23
